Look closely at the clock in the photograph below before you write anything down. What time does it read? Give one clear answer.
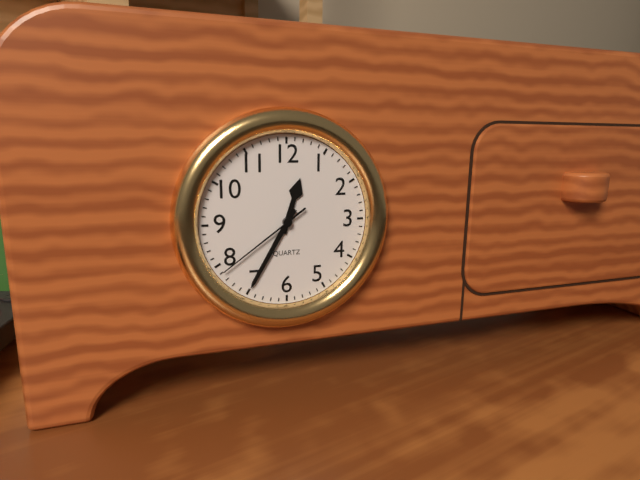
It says 12:35:39
